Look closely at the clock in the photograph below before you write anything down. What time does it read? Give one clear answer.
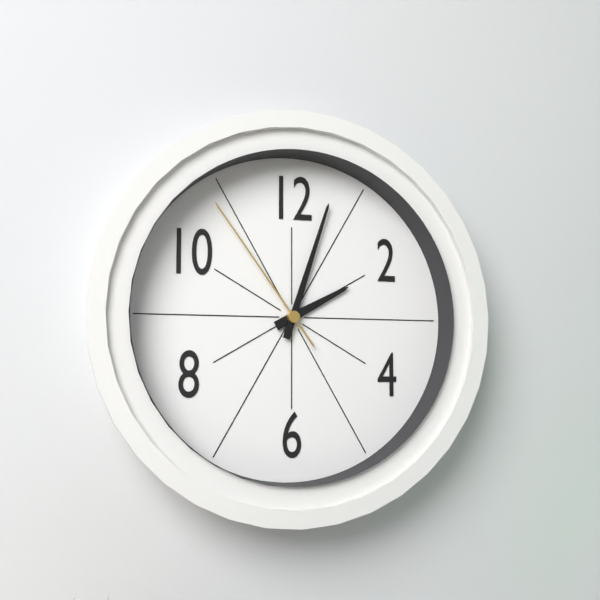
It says 2:03:54
